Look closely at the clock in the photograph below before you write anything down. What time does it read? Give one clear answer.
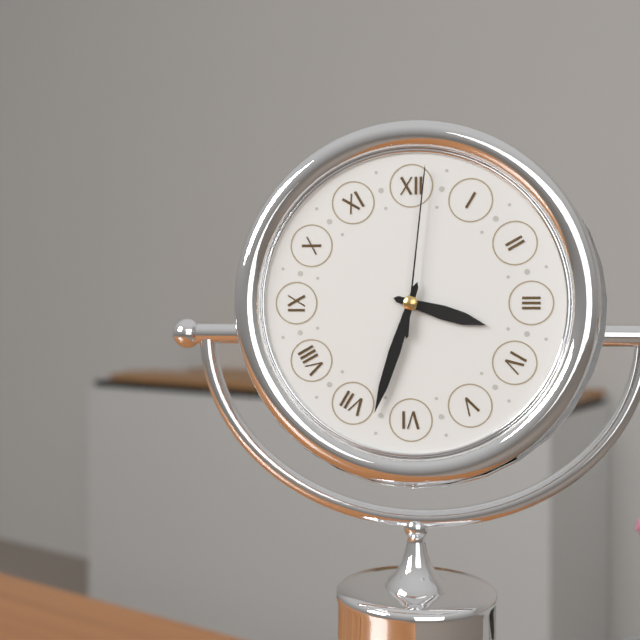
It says 3:33:01
